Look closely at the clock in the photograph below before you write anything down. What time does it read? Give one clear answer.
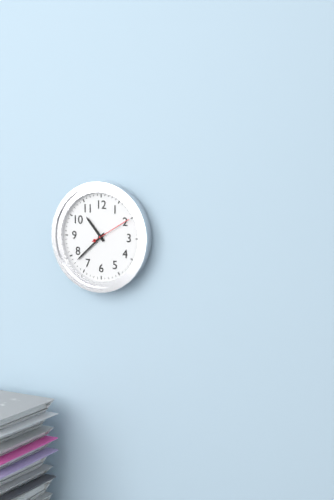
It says 10:38
